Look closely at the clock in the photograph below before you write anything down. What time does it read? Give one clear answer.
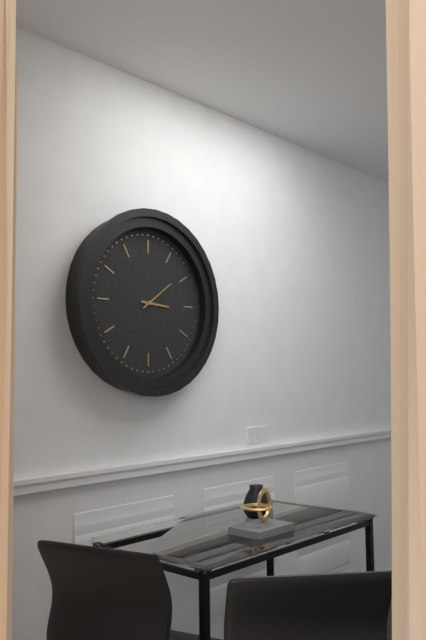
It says 3:09
